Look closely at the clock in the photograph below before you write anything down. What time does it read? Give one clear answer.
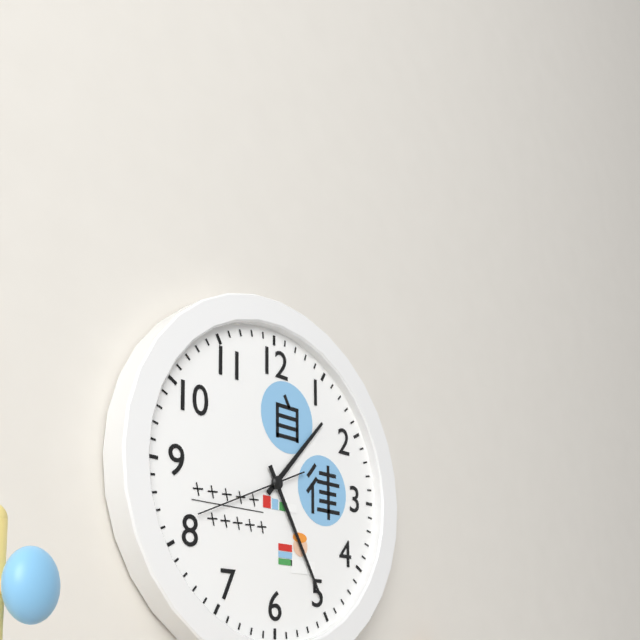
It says 1:25:41
